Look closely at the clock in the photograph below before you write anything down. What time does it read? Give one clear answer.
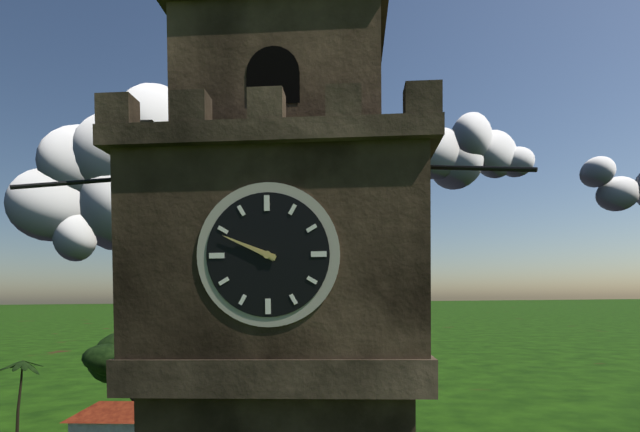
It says 9:49
